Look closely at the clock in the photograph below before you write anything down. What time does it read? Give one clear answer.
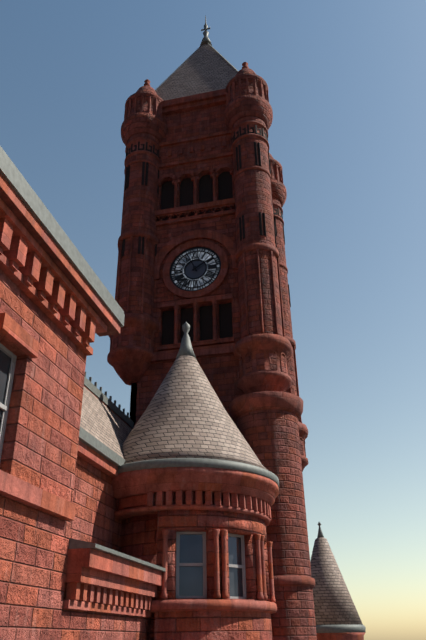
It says 1:56
